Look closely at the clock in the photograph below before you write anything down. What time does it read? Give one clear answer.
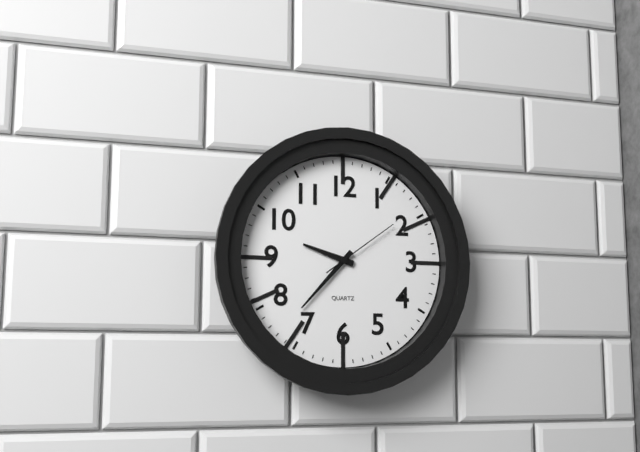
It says 9:37:09
